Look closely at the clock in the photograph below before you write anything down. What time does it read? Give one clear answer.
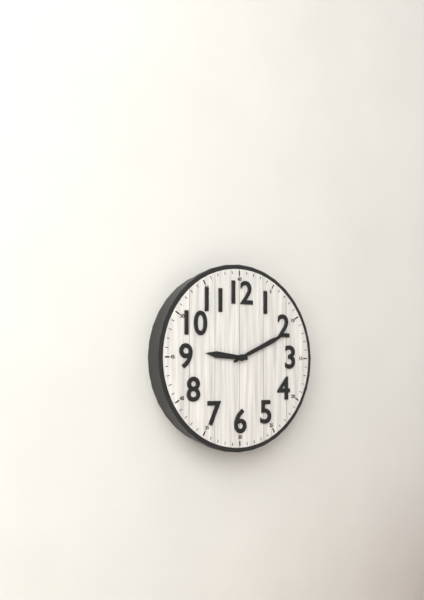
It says 9:11
